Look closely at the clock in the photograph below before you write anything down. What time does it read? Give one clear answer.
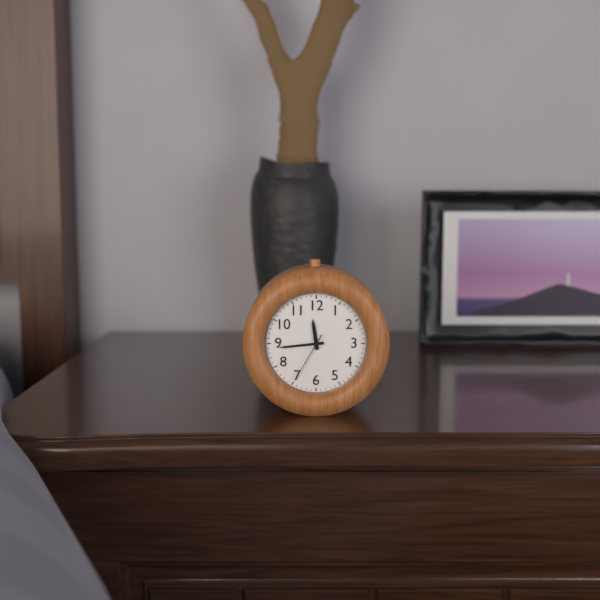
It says 11:44:35
